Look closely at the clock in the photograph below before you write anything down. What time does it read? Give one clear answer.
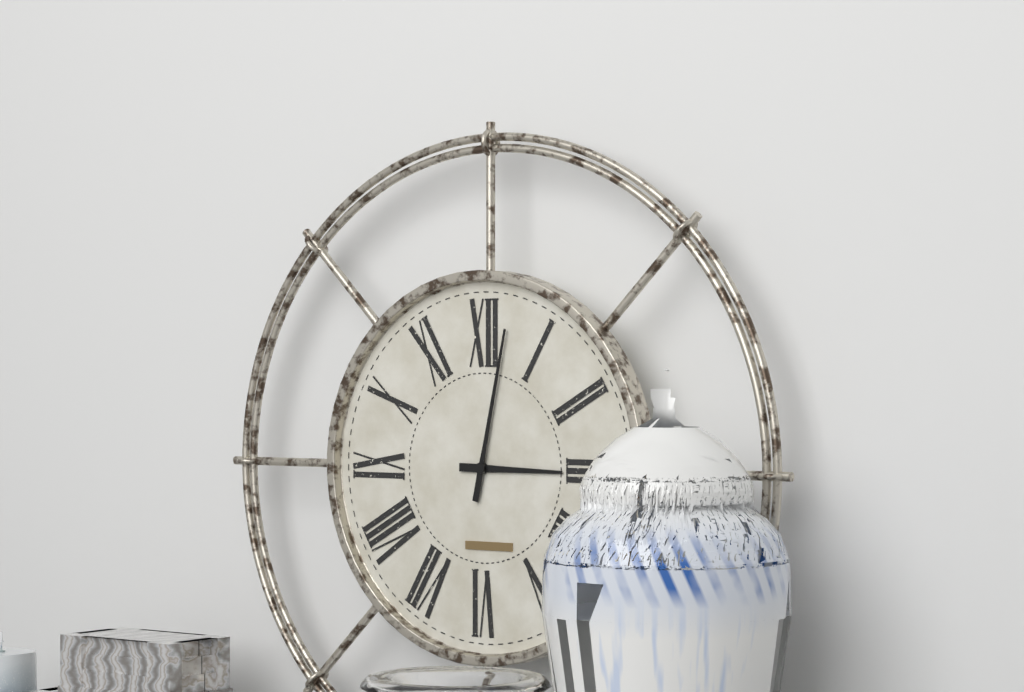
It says 3:02
